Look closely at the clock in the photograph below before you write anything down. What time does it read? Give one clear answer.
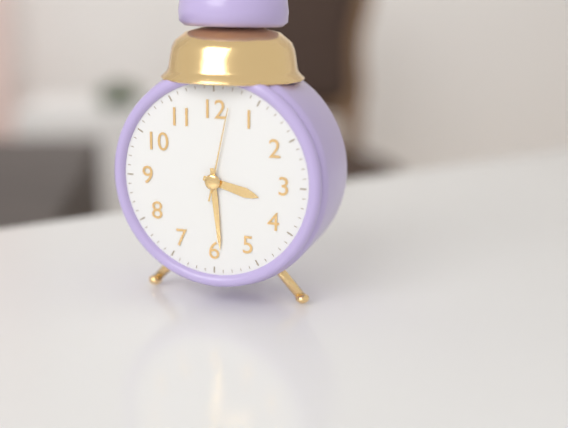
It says 3:29:02
